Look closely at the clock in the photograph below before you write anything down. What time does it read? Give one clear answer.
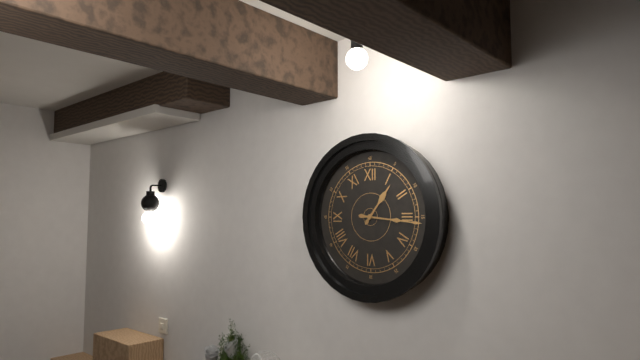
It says 1:16
